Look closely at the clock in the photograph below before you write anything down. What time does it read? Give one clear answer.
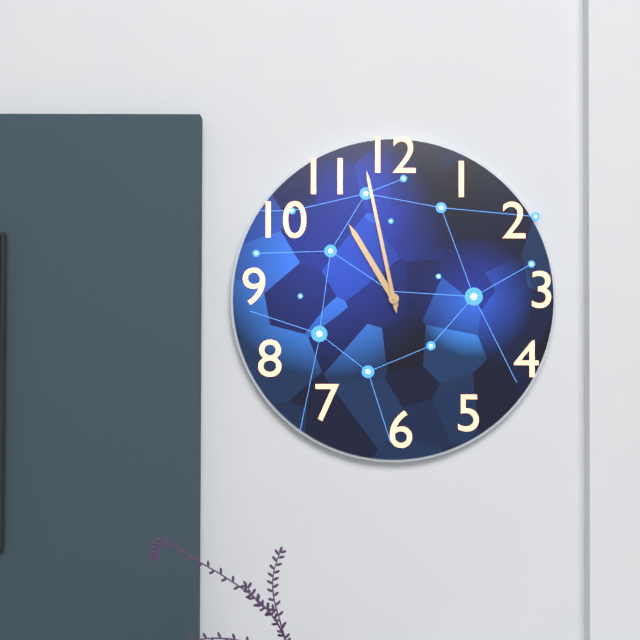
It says 10:58
